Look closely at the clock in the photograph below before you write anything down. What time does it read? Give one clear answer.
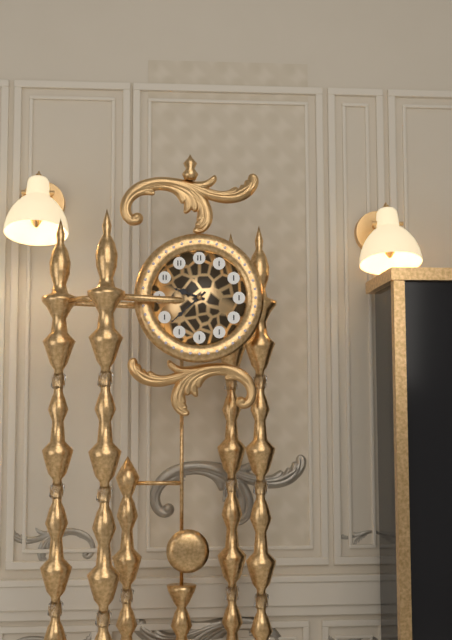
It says 9:38
